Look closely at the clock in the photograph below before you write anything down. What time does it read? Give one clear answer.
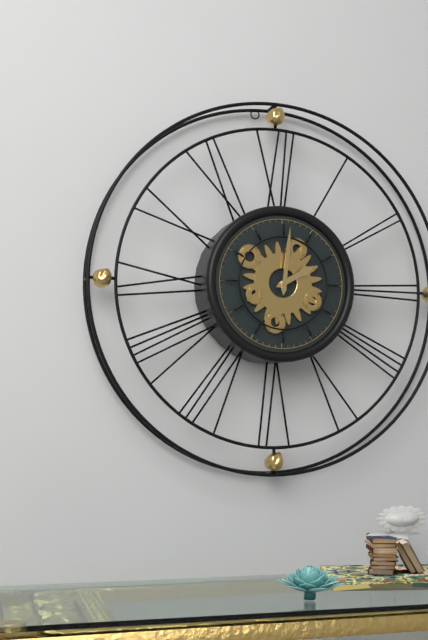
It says 2:01
